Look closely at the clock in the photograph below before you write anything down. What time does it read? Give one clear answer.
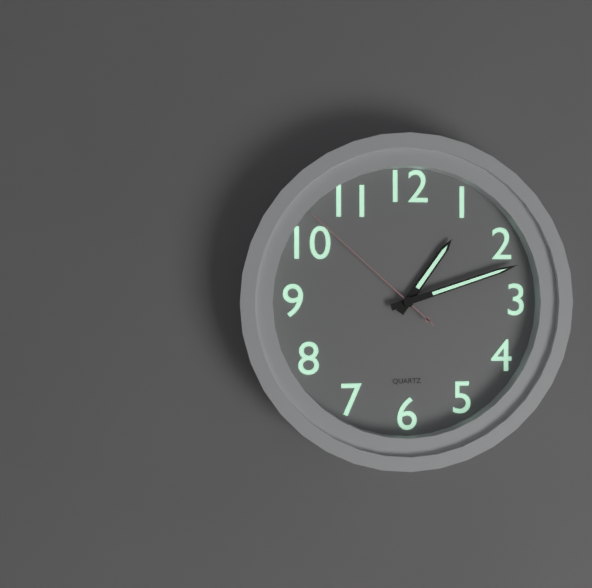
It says 1:12:52
